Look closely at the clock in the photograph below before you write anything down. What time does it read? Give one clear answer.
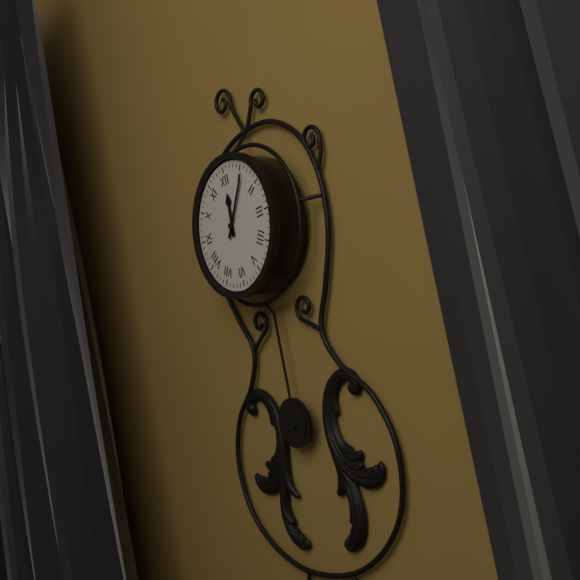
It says 12:06
